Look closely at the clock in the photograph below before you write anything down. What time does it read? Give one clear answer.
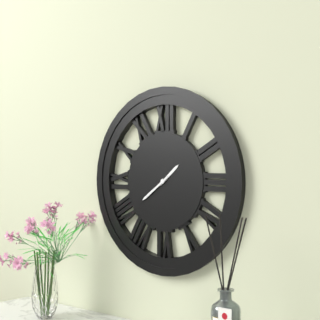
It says 1:39
